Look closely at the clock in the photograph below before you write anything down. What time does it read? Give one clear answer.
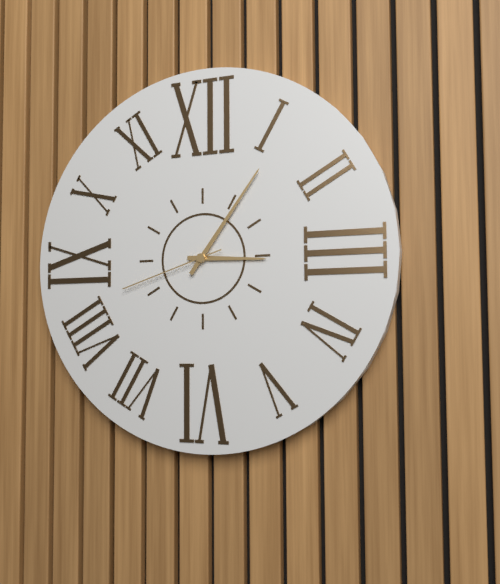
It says 3:06:42
